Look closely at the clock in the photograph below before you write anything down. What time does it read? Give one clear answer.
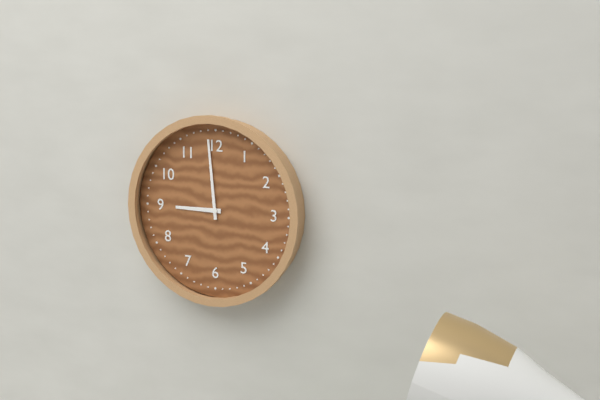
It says 8:59
